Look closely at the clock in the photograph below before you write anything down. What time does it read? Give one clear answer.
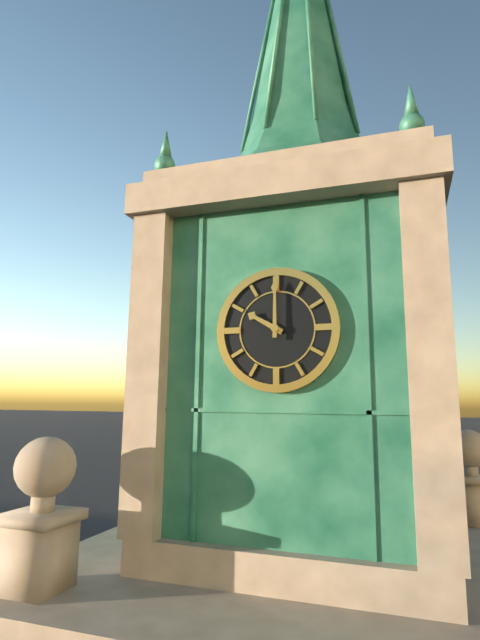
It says 10:00
